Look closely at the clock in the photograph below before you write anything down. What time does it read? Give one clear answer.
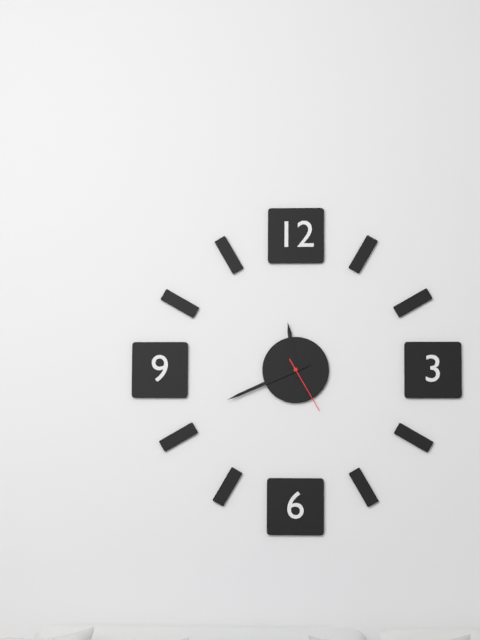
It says 11:41:25
